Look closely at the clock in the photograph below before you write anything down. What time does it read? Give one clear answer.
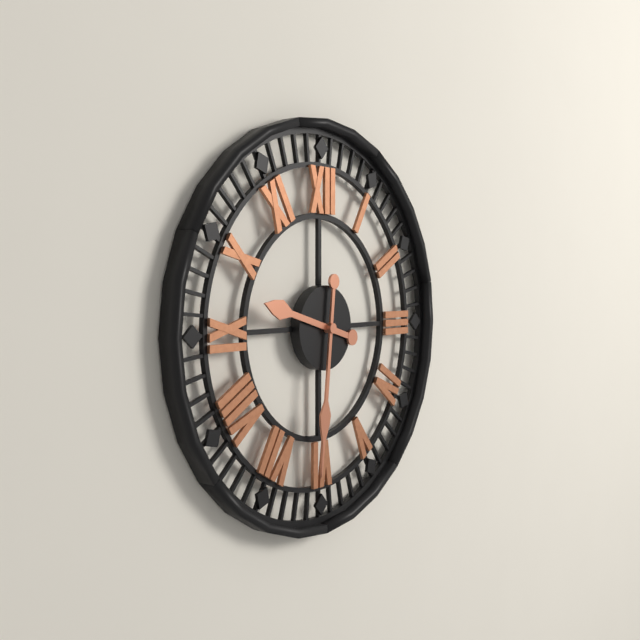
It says 9:31
